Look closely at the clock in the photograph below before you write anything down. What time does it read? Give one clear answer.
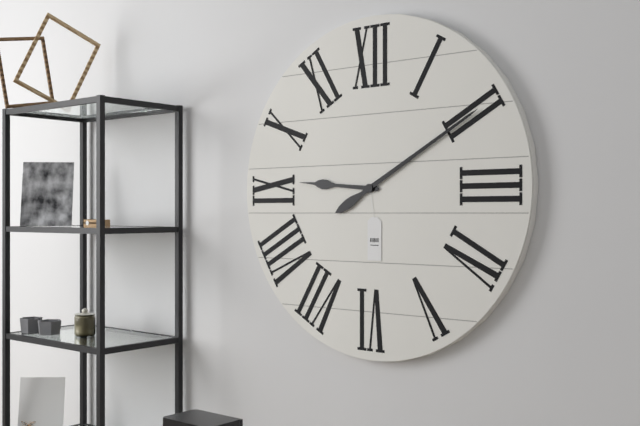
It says 9:10
